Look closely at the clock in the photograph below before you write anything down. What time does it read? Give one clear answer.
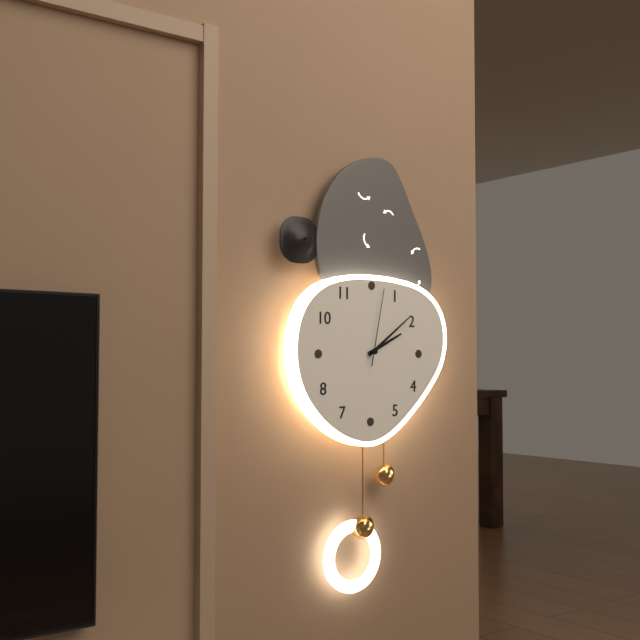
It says 2:09:02
